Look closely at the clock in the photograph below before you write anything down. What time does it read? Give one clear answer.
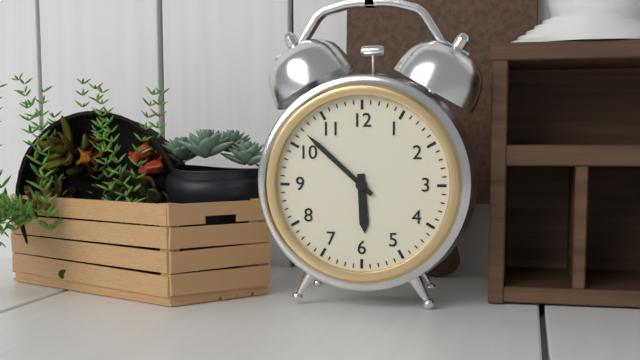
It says 5:52
